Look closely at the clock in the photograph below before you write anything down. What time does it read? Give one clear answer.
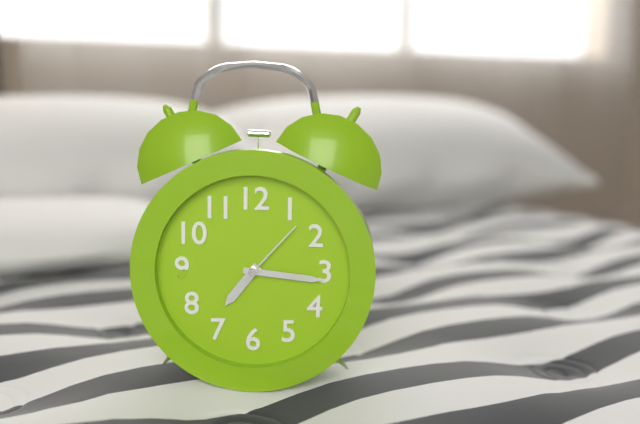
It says 7:16:07
